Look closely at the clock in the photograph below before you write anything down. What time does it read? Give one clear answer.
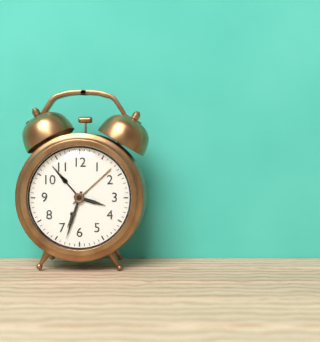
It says 3:33
